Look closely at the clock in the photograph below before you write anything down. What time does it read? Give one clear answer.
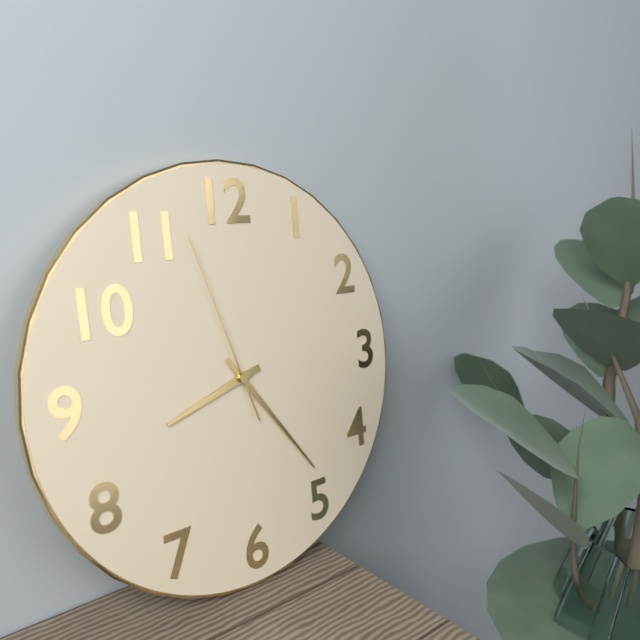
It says 8:24:57
